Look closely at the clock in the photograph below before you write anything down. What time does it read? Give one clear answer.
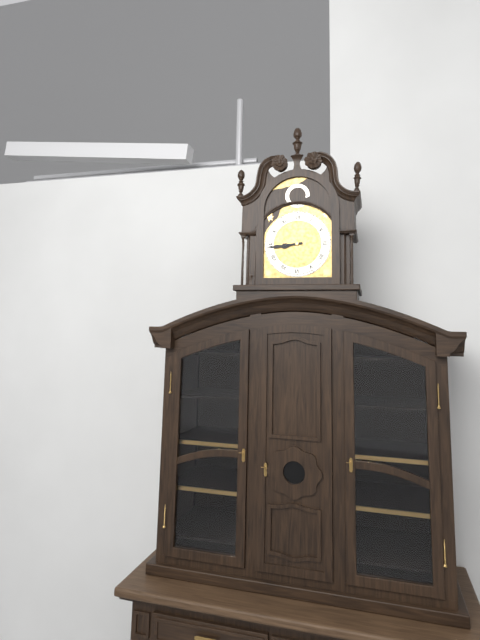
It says 8:44
